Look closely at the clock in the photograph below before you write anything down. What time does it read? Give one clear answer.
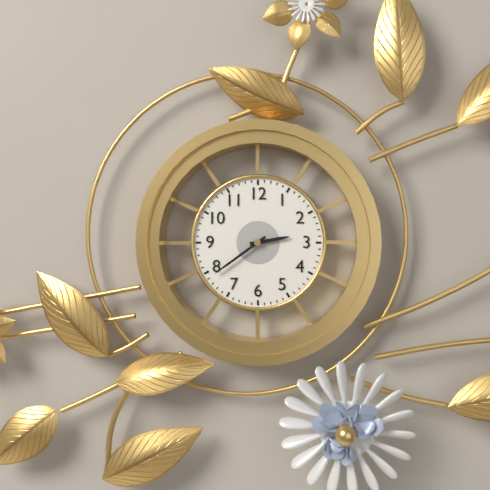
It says 2:39
